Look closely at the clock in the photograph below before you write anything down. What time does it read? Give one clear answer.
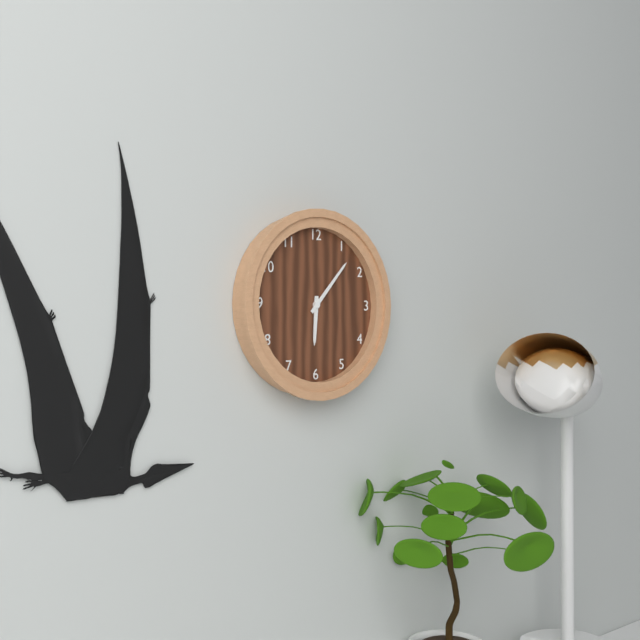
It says 6:07
